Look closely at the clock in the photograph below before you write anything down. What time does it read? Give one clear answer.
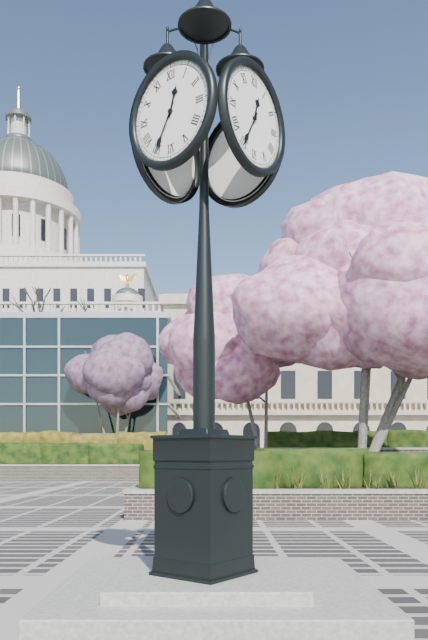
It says 12:35
